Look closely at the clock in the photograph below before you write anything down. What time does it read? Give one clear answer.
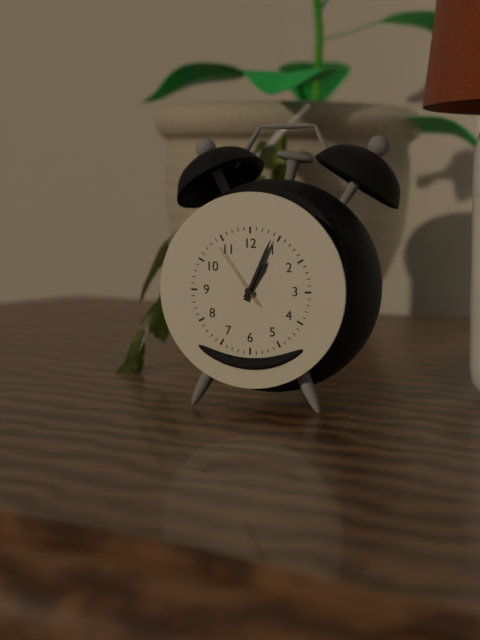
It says 1:04:54
